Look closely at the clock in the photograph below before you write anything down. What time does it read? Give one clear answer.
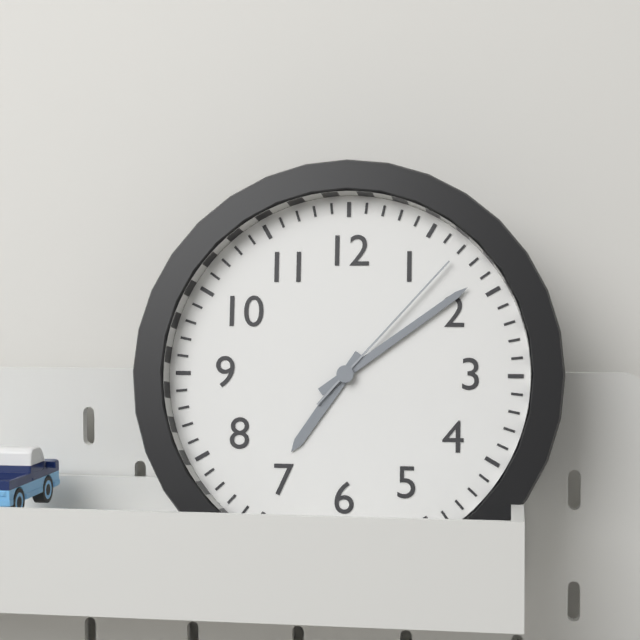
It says 7:09:07
